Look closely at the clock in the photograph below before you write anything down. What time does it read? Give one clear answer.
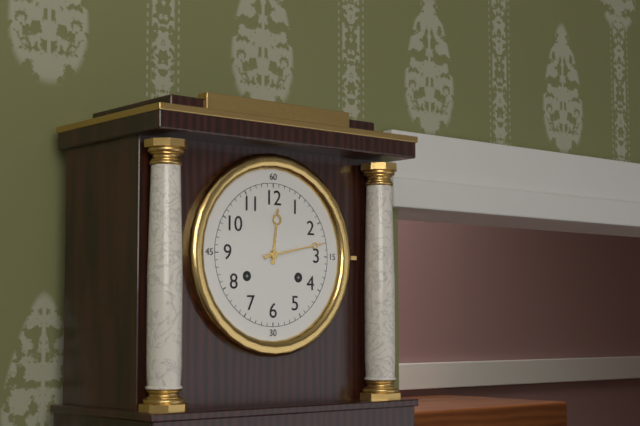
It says 12:13
